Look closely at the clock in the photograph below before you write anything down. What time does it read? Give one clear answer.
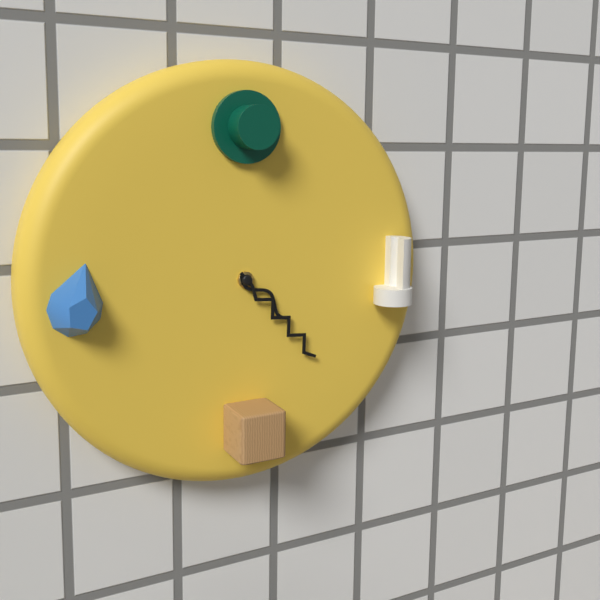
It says 4:23
